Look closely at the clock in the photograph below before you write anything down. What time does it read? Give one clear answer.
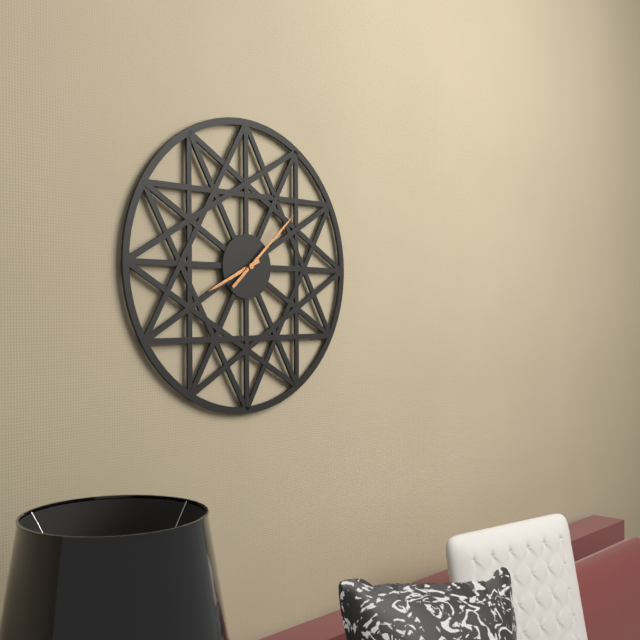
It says 8:08
